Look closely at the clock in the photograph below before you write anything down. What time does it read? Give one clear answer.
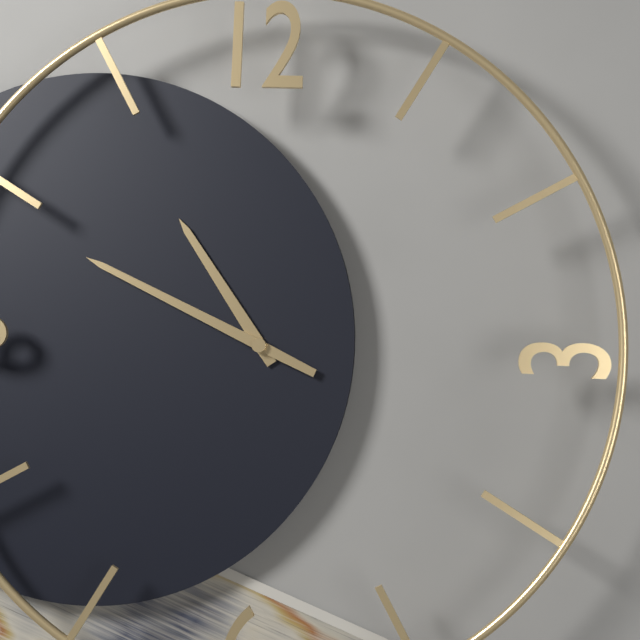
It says 10:49
